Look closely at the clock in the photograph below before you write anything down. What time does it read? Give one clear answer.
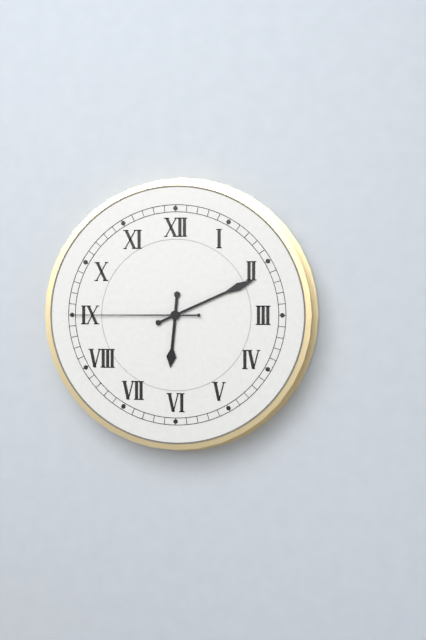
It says 6:11:45
